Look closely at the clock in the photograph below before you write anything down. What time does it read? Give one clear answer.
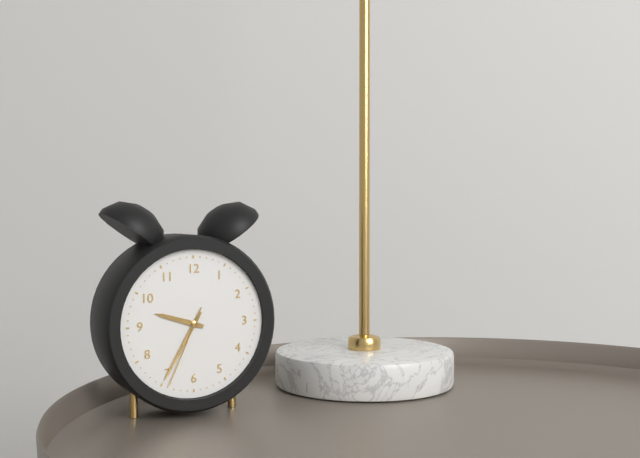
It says 9:35:34
